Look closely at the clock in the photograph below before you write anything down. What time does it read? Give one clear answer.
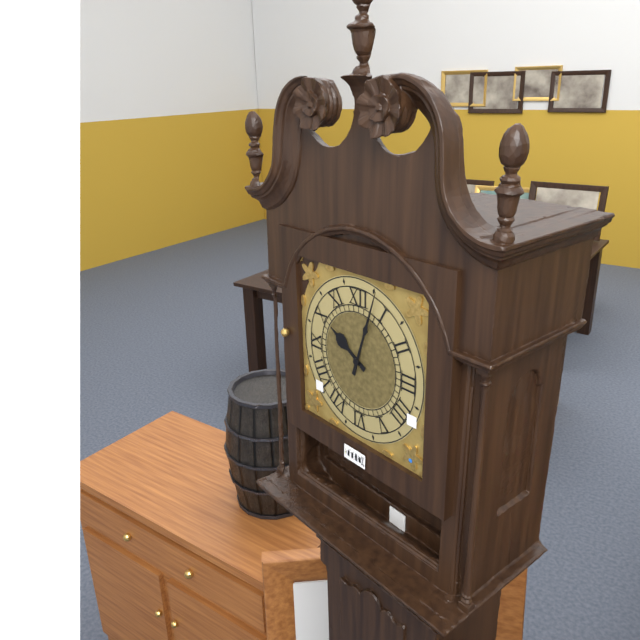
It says 10:03
